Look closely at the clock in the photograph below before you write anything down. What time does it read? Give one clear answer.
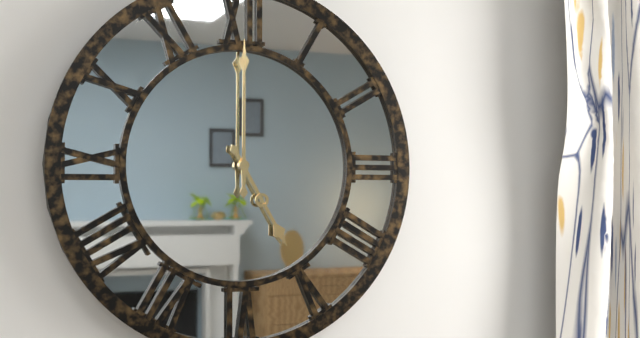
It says 5:00
